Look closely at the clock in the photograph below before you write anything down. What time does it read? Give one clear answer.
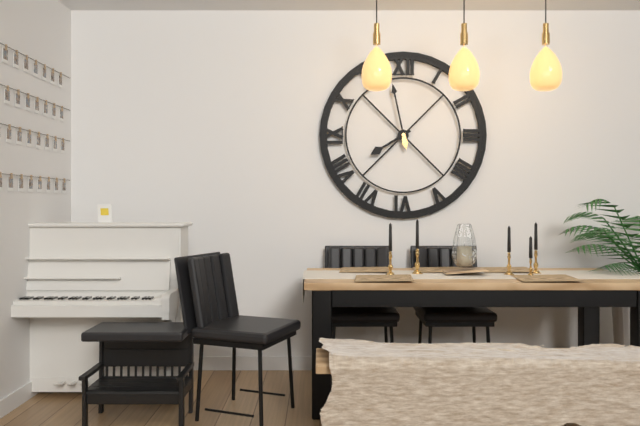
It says 7:58
